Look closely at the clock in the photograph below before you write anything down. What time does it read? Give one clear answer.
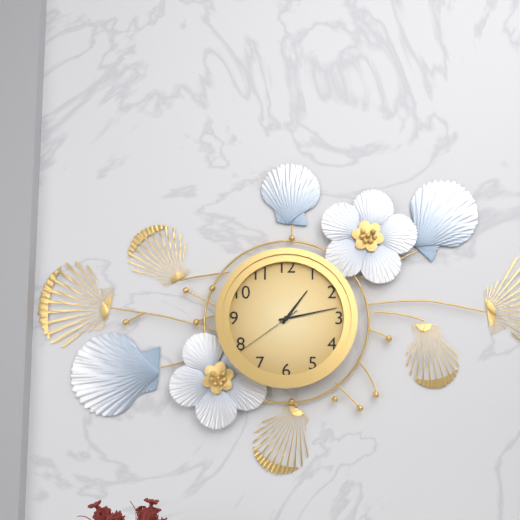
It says 1:13:39
